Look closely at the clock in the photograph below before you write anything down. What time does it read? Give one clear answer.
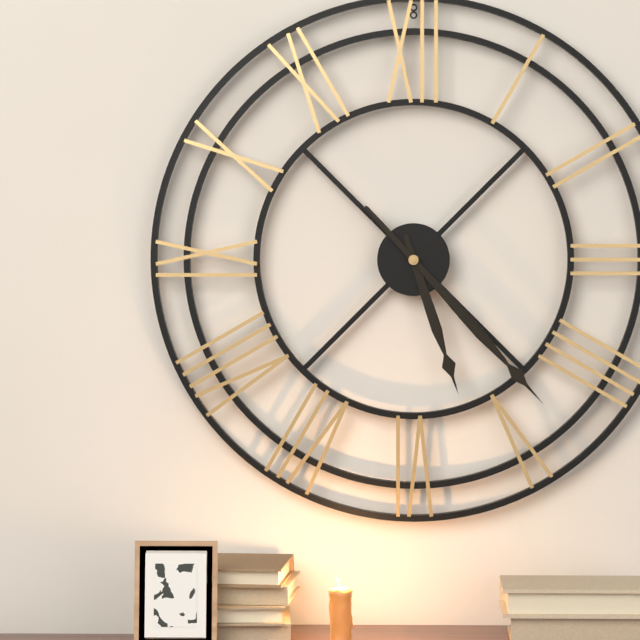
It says 5:23
